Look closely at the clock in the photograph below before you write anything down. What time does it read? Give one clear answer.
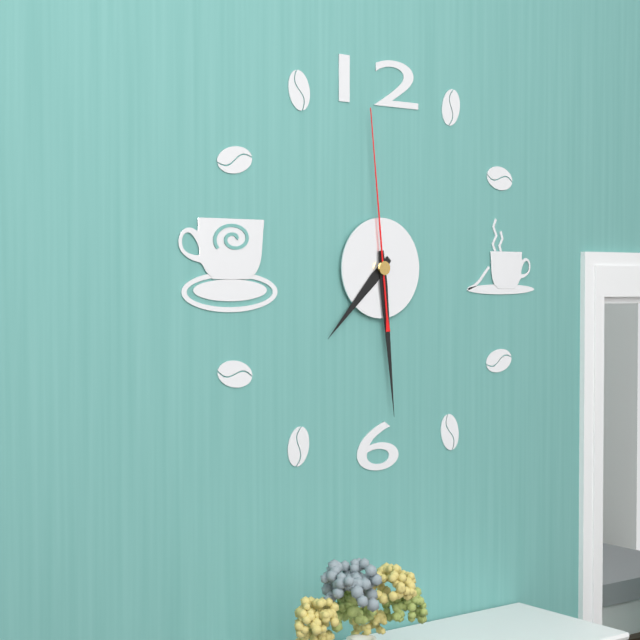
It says 7:29:59
